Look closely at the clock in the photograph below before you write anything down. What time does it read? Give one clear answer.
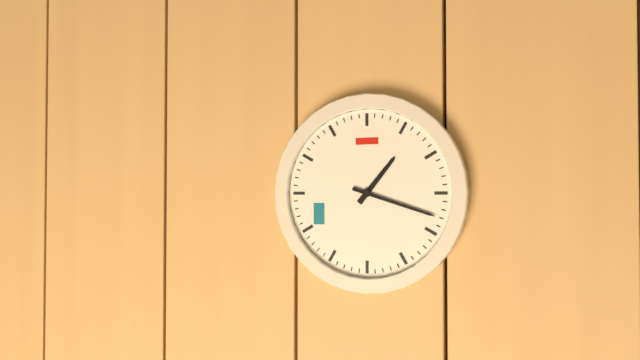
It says 1:18
